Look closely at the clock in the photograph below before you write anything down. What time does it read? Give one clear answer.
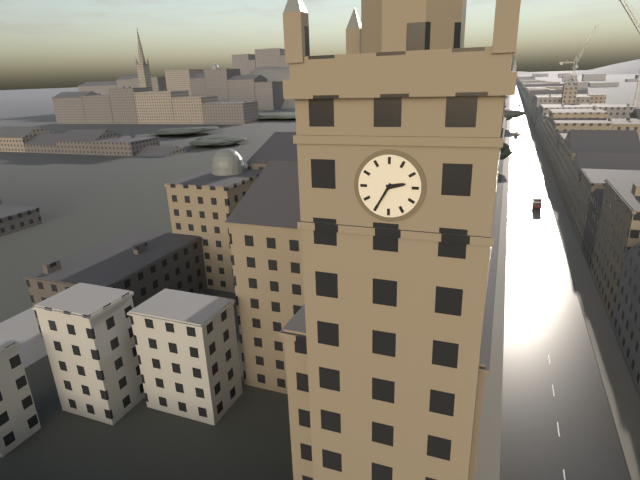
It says 2:35
